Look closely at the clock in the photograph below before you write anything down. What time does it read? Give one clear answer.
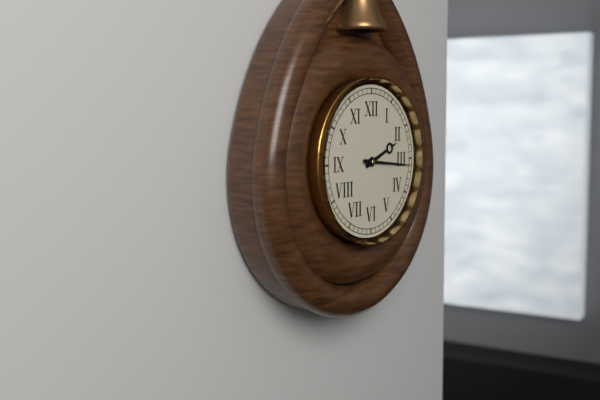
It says 2:16
